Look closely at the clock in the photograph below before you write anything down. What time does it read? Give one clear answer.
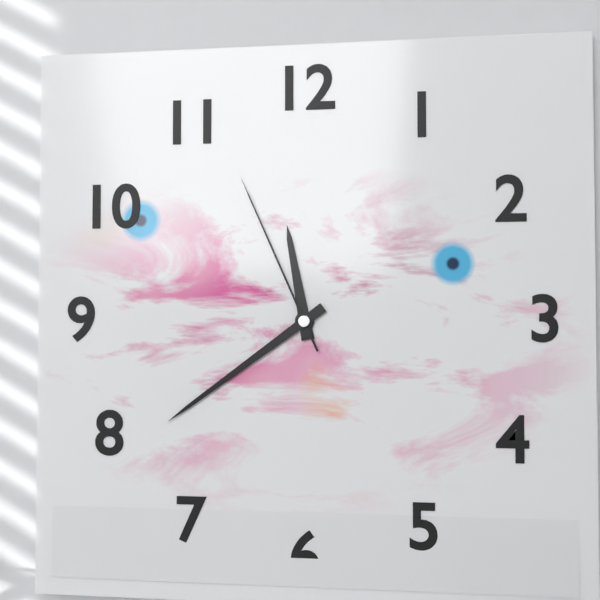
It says 11:39:56
